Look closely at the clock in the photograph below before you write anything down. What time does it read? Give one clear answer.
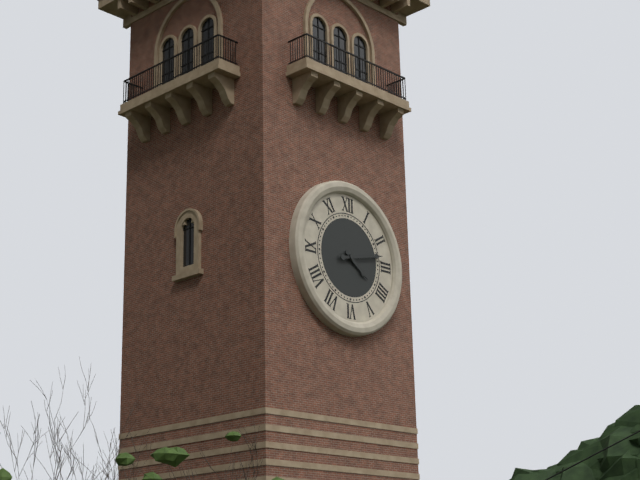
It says 4:13
